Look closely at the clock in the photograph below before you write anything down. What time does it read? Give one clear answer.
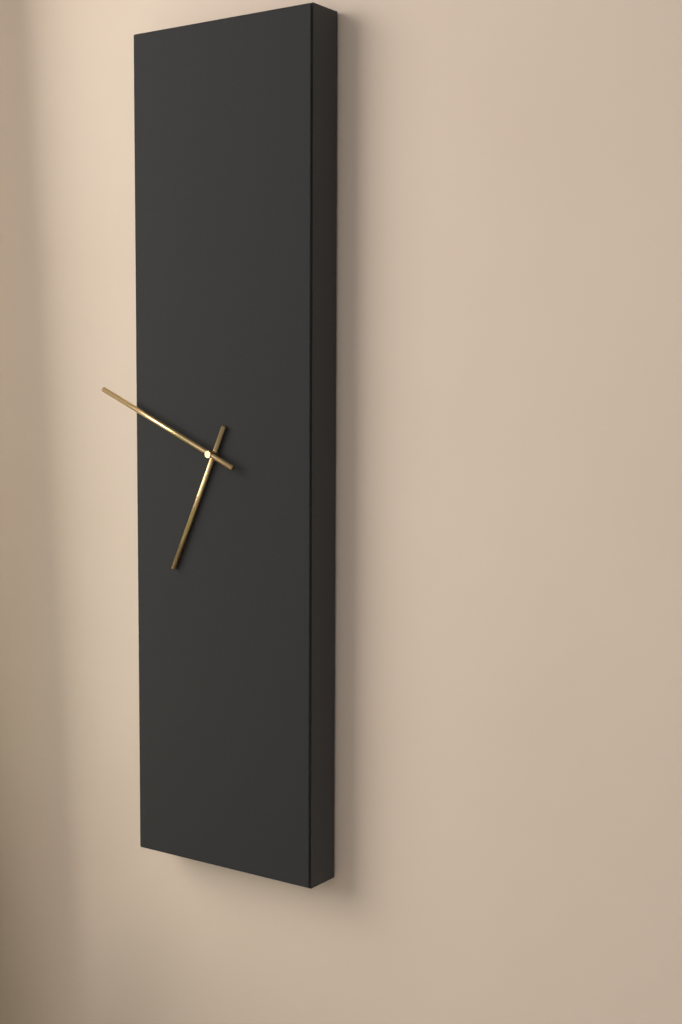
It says 6:49
